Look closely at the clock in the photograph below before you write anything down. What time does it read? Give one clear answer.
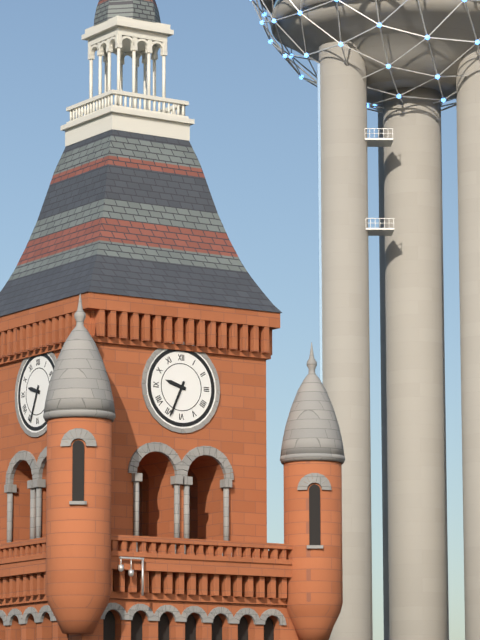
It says 9:34
